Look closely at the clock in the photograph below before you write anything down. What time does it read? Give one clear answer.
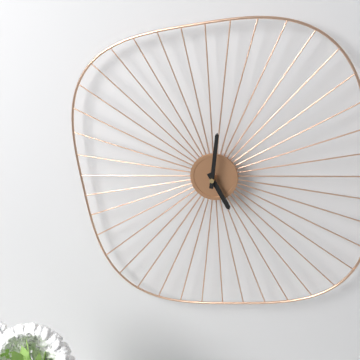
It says 5:01
